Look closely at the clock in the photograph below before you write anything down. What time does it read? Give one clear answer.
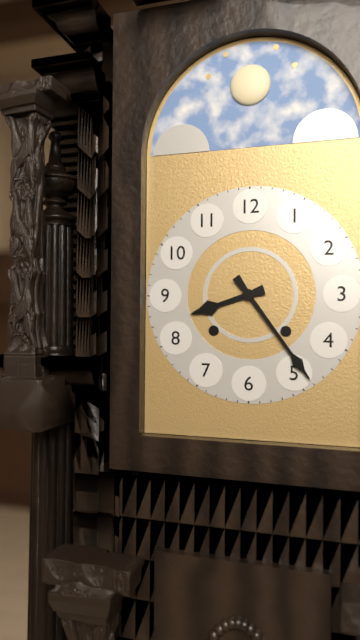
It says 8:24
